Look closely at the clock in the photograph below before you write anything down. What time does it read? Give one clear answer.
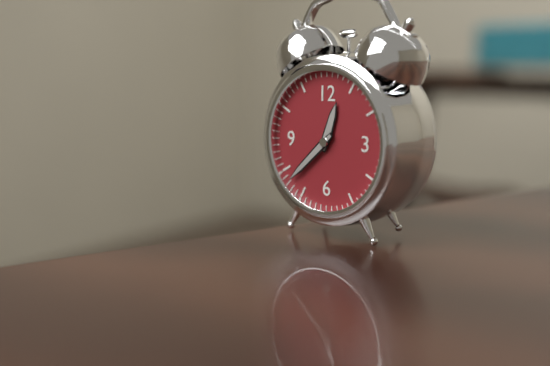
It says 12:38
